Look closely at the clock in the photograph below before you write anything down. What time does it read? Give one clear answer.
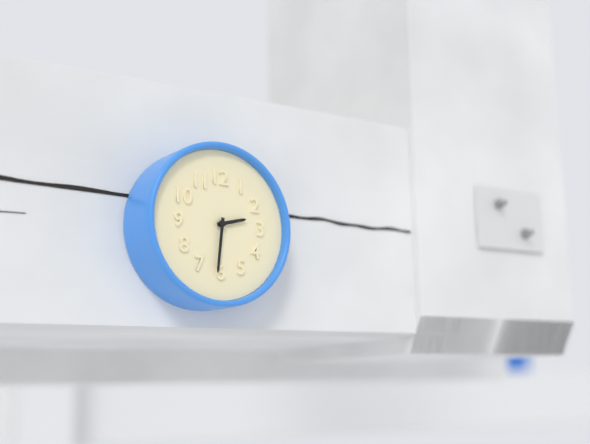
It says 2:31
